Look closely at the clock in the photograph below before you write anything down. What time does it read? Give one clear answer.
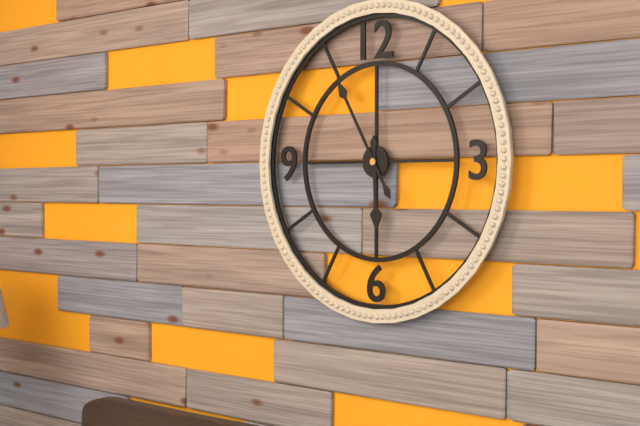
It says 5:55
